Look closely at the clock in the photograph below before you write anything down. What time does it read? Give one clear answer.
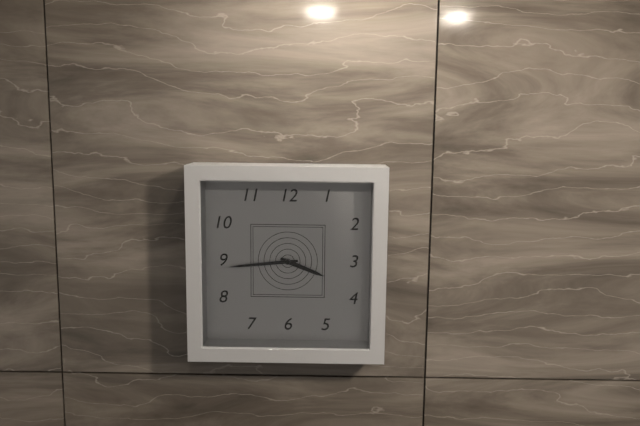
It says 3:44
